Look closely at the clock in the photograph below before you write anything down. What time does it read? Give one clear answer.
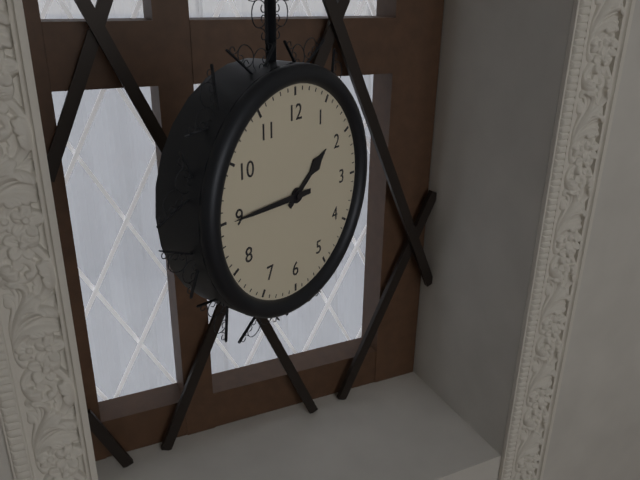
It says 1:45
